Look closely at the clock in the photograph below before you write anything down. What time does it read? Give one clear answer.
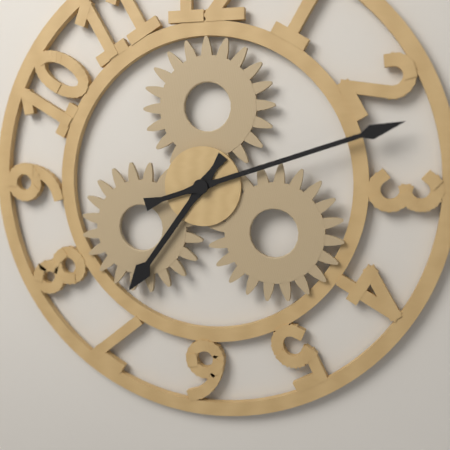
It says 7:12
